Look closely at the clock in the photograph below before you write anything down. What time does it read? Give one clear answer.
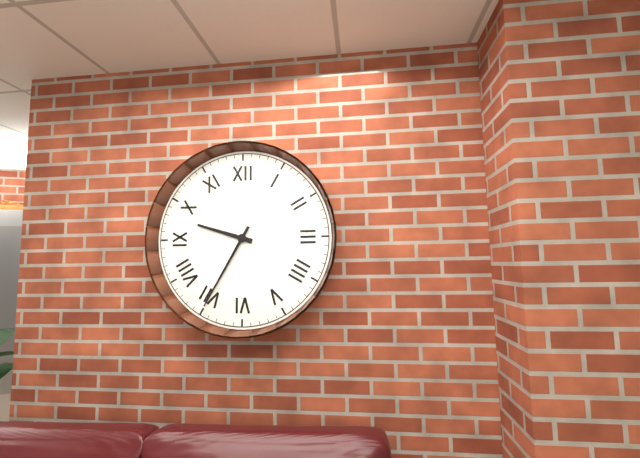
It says 9:35
